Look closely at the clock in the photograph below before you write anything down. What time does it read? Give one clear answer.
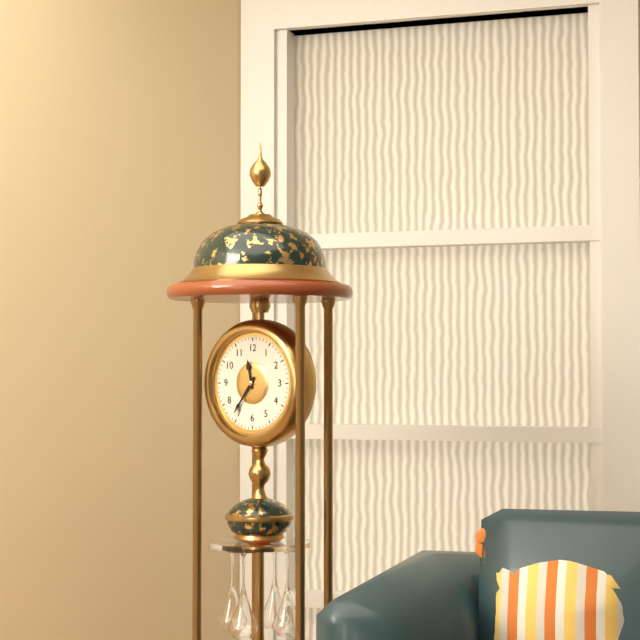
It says 11:36
